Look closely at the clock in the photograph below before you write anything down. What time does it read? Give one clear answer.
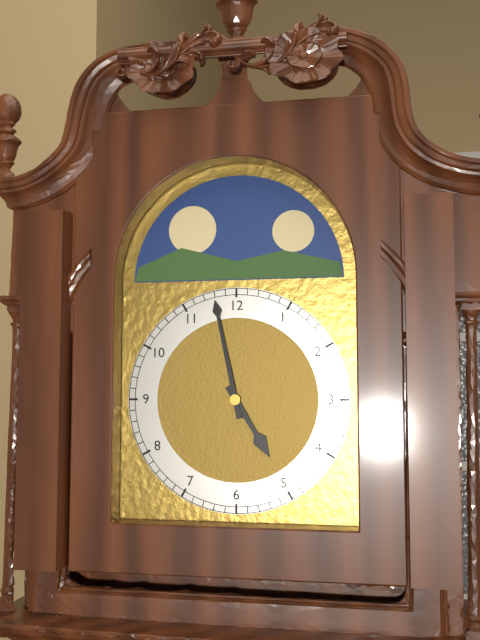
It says 4:58
